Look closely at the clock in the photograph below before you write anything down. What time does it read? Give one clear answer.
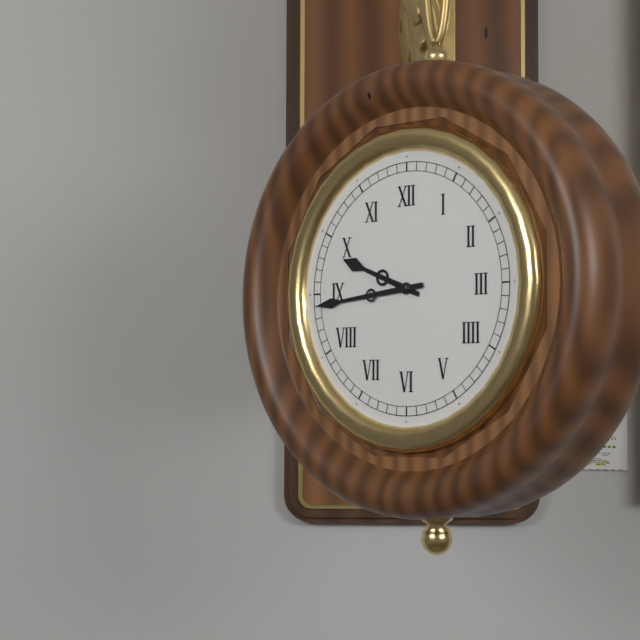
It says 9:44
